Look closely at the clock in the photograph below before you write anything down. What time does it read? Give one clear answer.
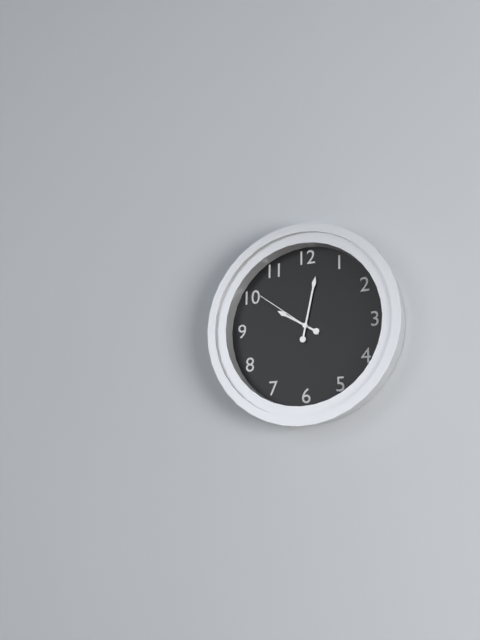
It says 10:02:51
